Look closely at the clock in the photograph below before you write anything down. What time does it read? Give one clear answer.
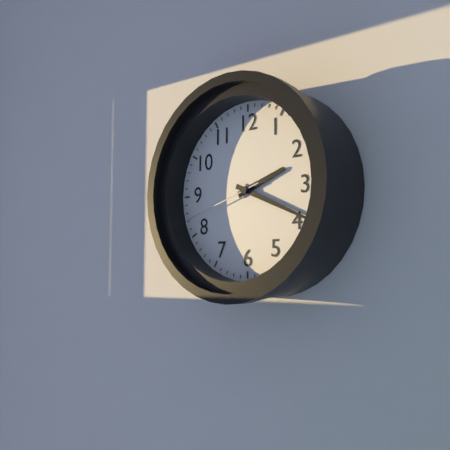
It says 2:19:42
